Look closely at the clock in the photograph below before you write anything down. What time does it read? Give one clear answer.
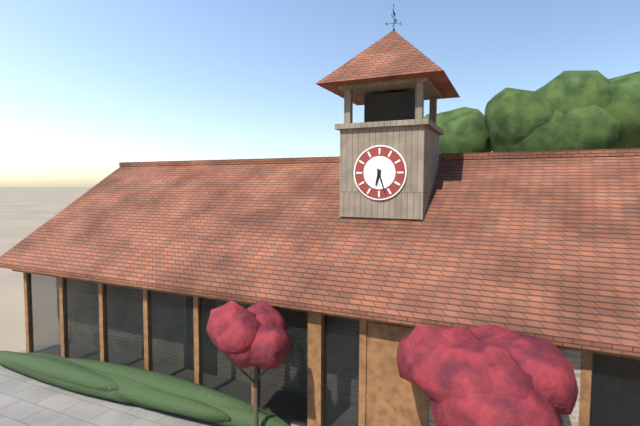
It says 6:27
